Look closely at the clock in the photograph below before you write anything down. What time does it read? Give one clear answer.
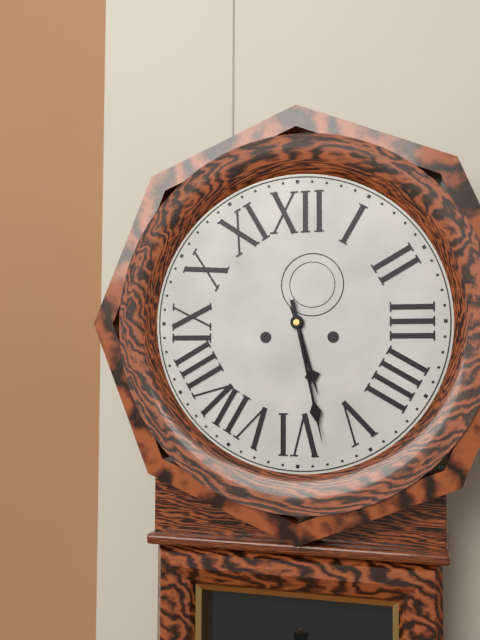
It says 5:28
